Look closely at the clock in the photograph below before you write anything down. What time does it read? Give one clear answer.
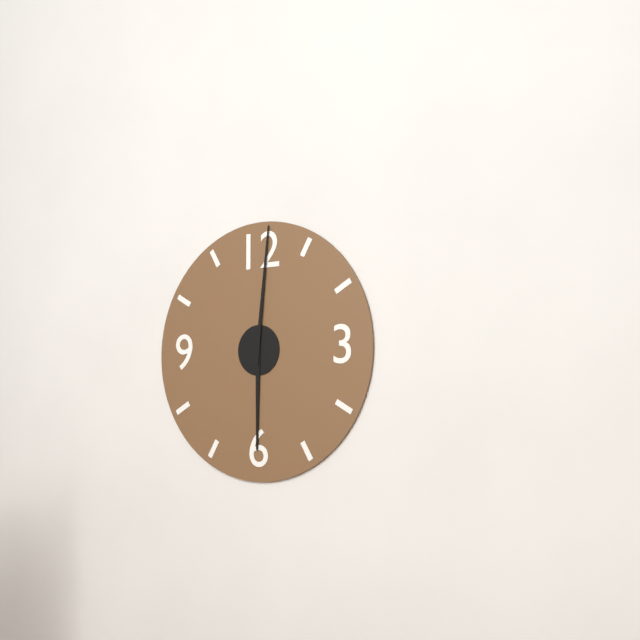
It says 6:01
